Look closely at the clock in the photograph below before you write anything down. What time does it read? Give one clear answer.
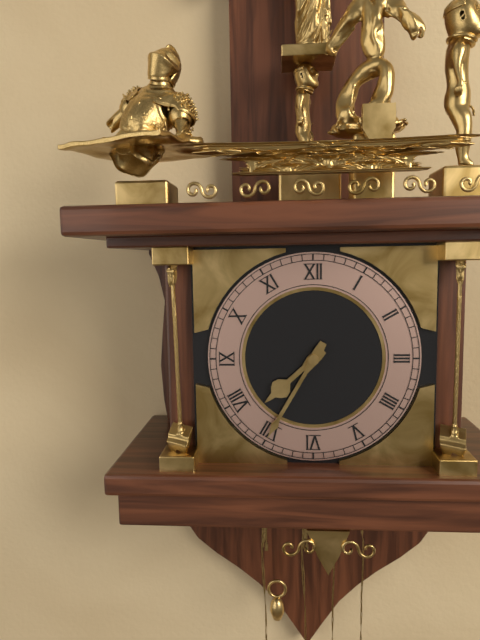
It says 7:35
